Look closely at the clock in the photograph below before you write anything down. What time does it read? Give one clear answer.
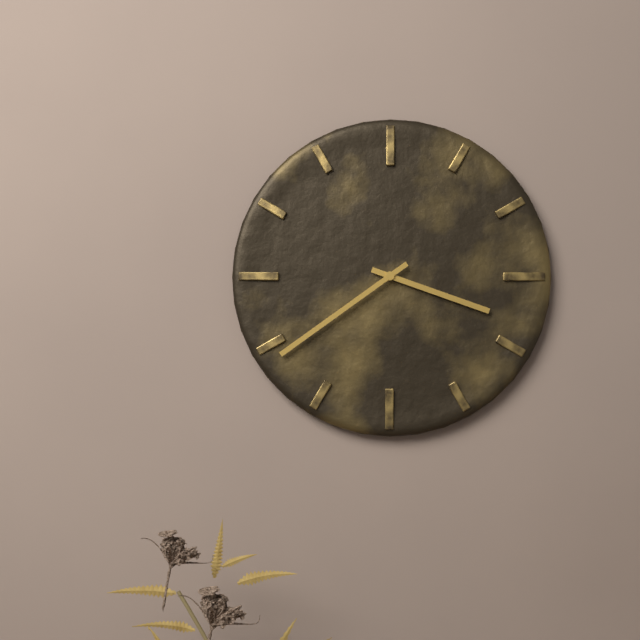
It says 3:39
